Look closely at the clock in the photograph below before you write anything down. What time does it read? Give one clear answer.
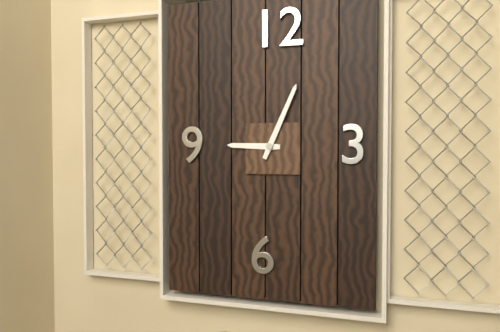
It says 9:04
